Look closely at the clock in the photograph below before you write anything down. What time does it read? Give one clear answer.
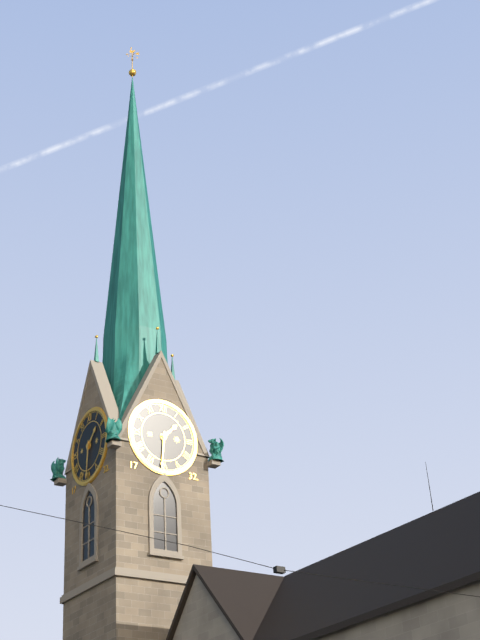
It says 1:31
